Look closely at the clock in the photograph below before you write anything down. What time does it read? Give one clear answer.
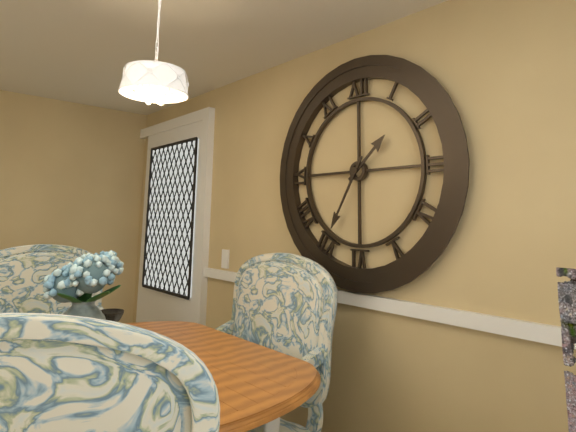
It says 1:35
